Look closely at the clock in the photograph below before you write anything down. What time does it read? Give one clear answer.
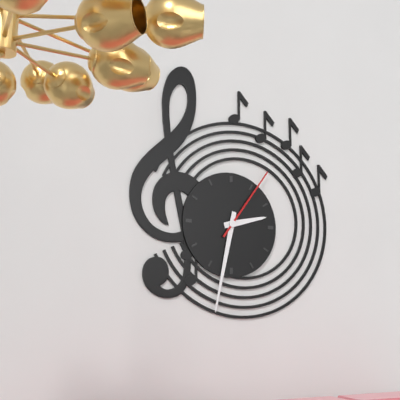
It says 2:32:06
